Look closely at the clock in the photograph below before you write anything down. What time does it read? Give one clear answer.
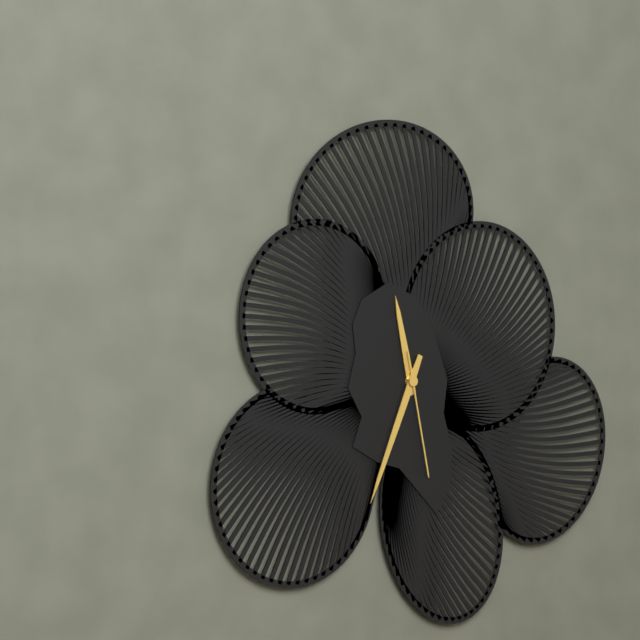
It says 11:34:28
